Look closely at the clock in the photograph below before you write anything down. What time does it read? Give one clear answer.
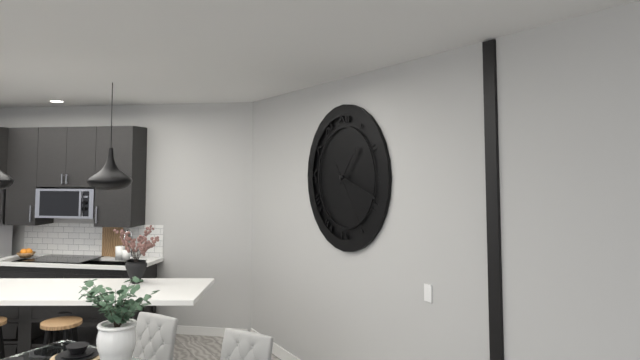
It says 1:18:24
